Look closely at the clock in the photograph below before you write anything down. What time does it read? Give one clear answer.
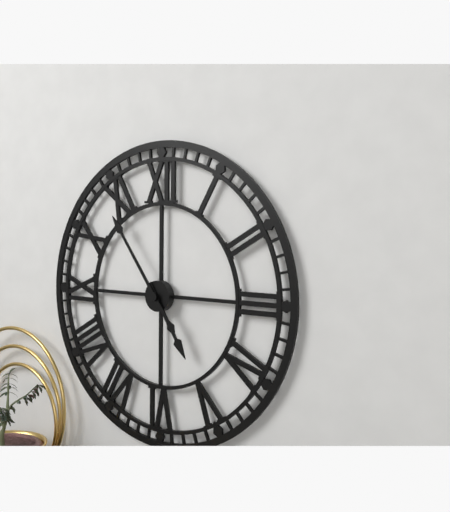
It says 4:54
